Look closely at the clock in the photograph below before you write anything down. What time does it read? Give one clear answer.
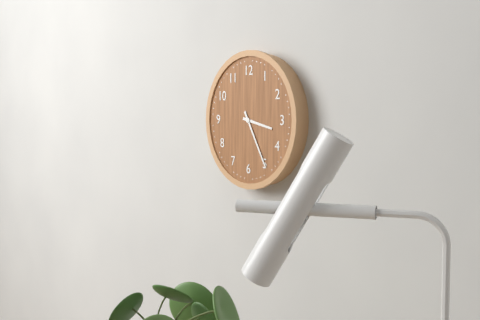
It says 3:25
